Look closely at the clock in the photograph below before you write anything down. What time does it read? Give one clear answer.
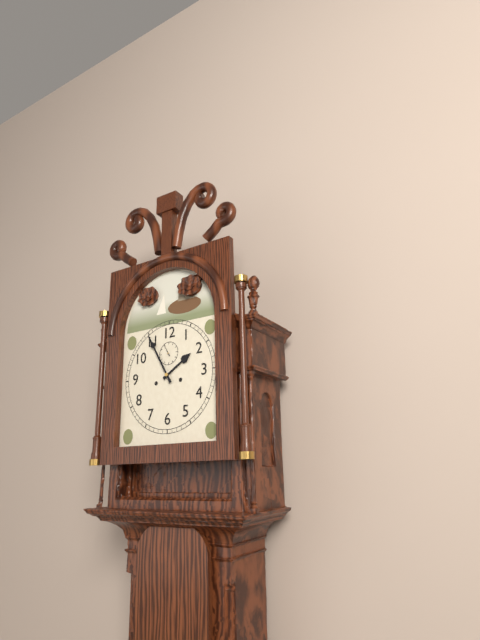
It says 1:55
